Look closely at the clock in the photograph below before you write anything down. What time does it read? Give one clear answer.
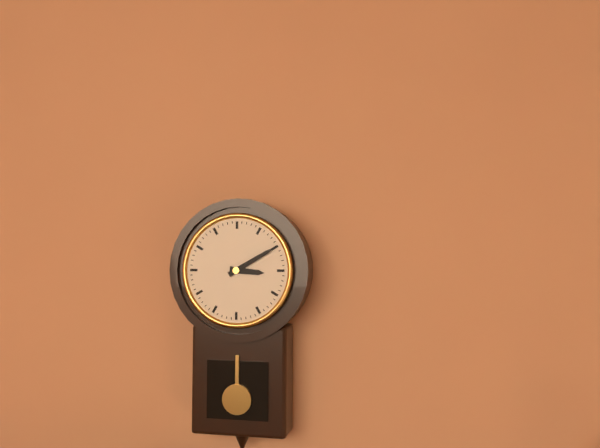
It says 3:10
